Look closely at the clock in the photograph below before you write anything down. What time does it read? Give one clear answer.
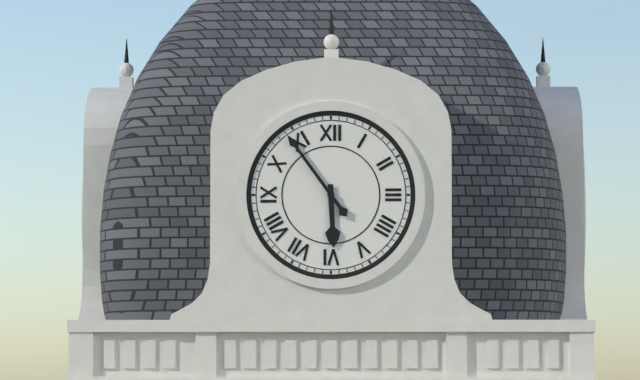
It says 5:54
